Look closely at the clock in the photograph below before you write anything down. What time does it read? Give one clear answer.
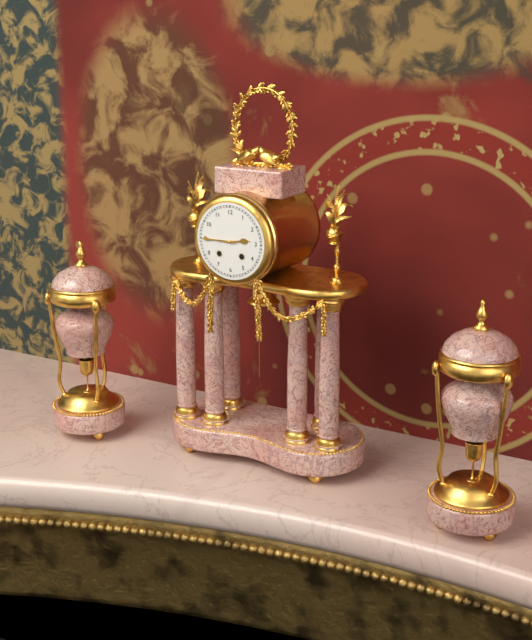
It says 2:45
